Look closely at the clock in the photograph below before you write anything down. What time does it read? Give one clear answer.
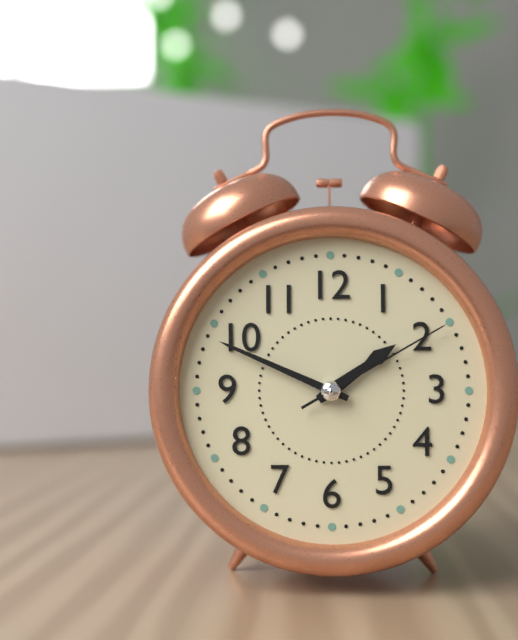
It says 1:49:10
